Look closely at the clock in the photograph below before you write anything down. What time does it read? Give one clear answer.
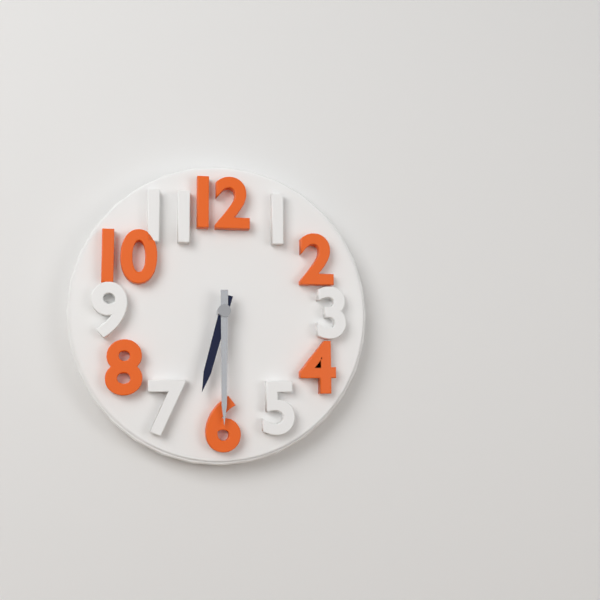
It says 6:30
